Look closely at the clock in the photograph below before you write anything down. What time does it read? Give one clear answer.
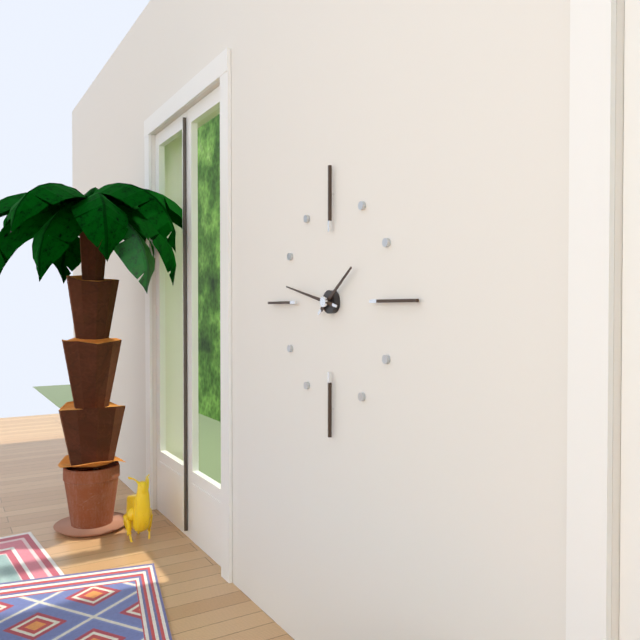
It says 1:47
